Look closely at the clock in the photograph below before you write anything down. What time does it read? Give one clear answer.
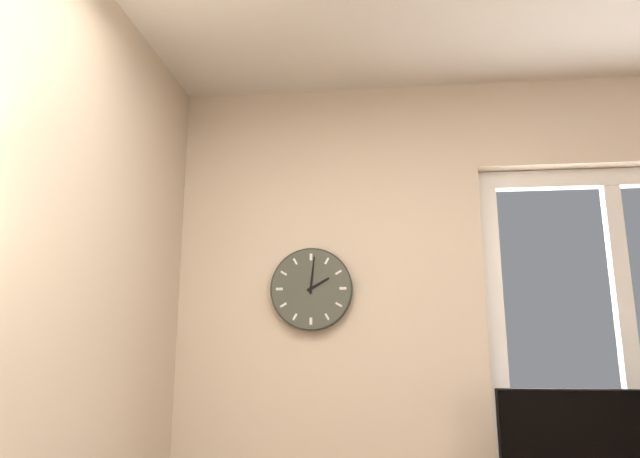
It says 2:01
